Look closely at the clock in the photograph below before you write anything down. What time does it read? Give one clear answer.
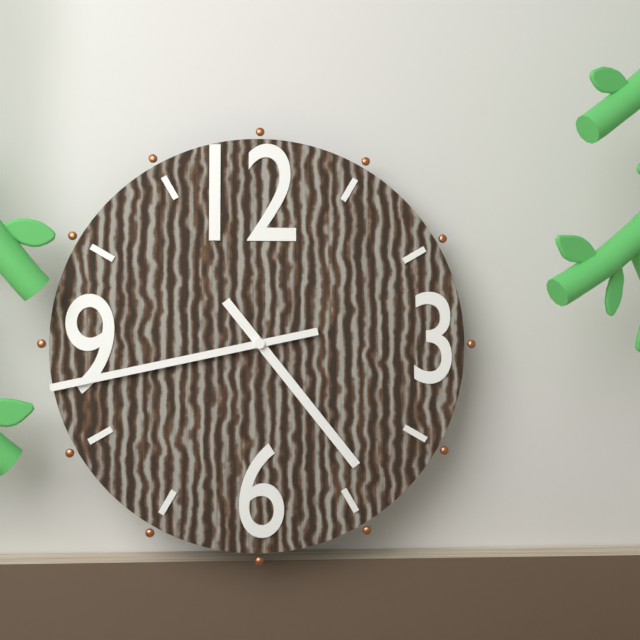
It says 4:43
